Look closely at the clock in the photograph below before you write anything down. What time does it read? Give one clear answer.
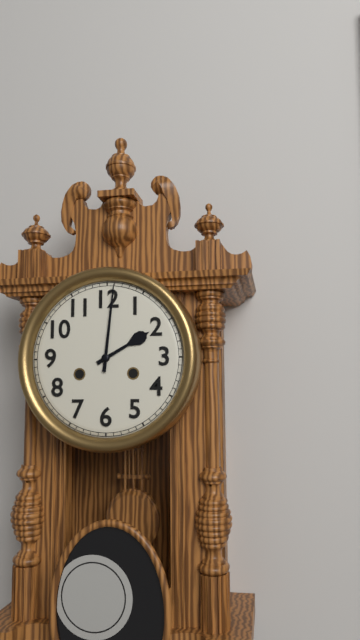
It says 2:01
